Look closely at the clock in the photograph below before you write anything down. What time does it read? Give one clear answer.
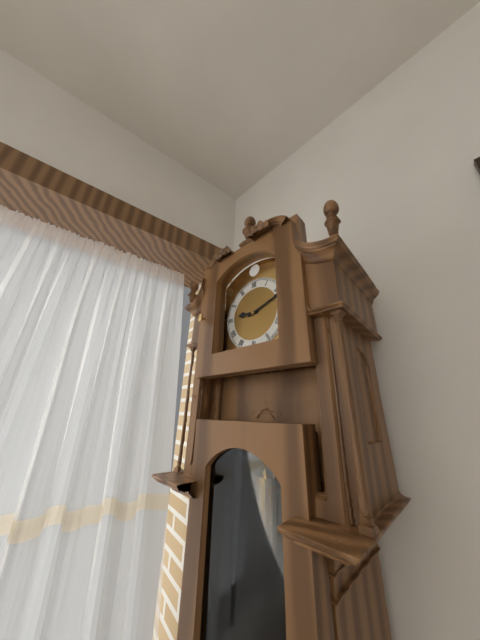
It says 9:12
